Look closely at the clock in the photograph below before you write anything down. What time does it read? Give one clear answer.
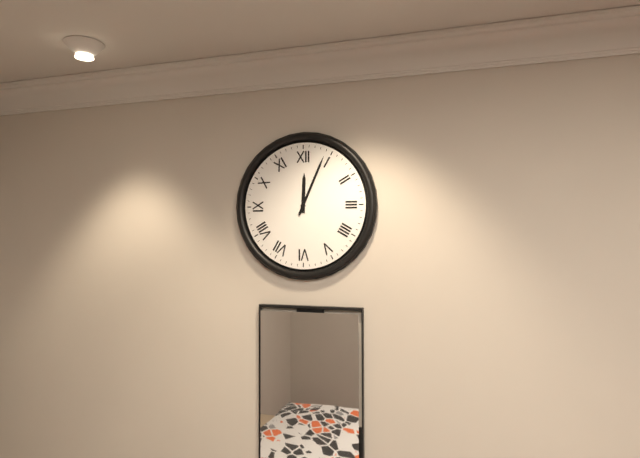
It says 12:04
